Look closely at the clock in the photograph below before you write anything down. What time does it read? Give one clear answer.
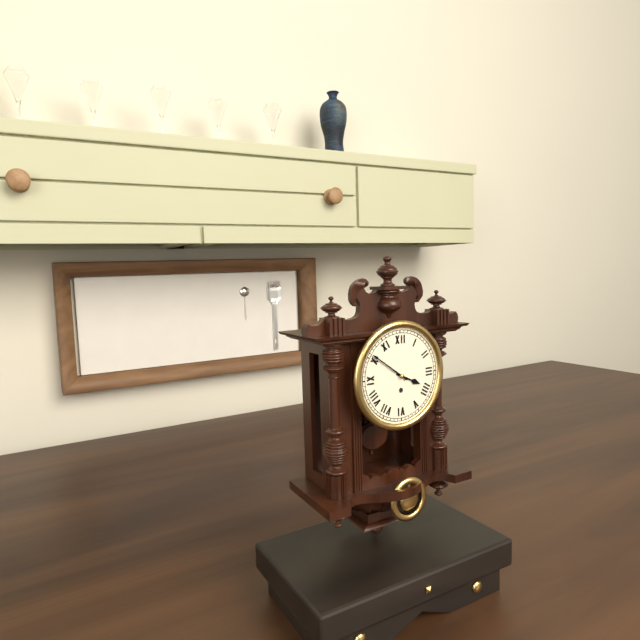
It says 3:51
